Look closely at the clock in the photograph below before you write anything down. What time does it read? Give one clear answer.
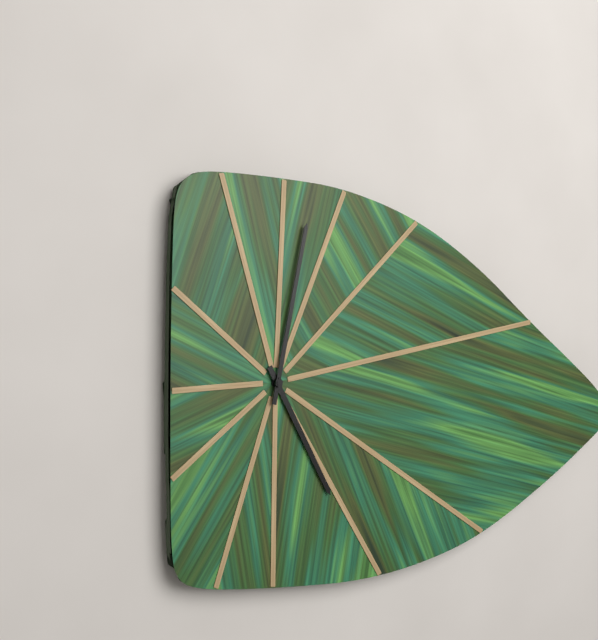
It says 5:02
